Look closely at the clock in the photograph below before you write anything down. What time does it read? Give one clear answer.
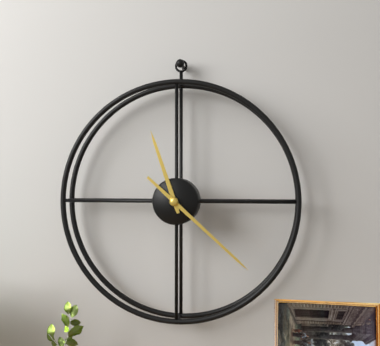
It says 11:22
